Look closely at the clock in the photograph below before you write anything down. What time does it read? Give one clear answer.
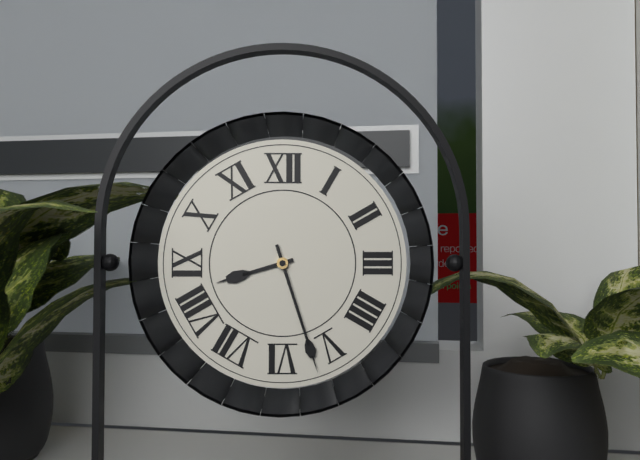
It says 8:27
